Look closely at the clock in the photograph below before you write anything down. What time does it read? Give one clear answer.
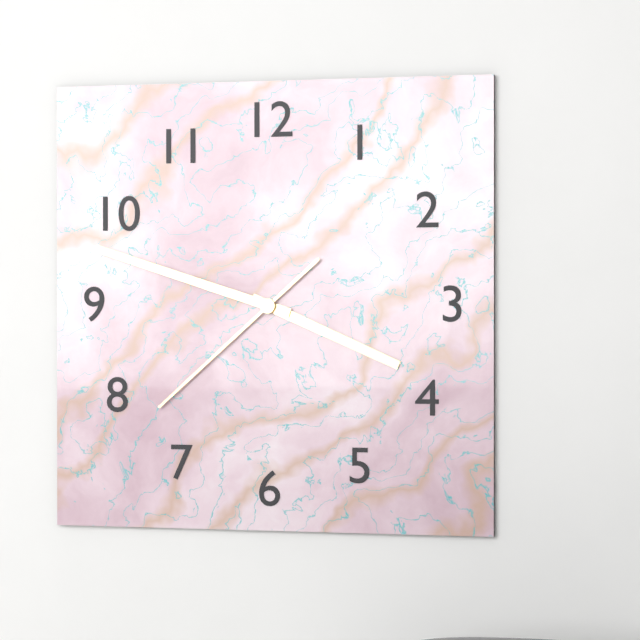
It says 3:48:38
